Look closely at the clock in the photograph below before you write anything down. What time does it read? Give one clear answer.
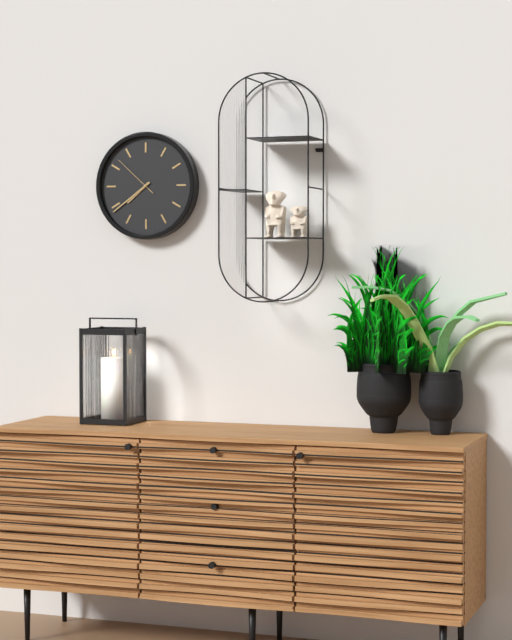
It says 7:39:52
